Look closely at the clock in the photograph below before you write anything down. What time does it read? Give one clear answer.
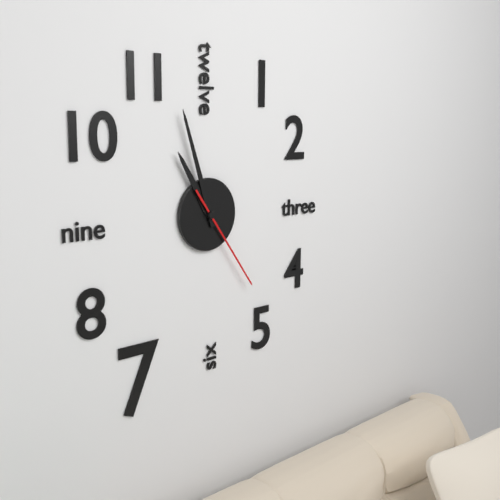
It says 10:57:24
